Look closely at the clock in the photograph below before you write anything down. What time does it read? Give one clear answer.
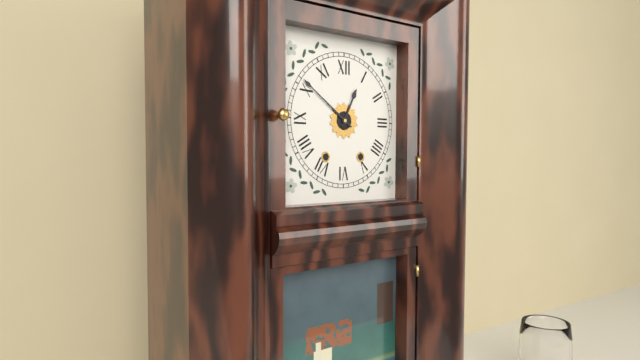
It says 12:51
